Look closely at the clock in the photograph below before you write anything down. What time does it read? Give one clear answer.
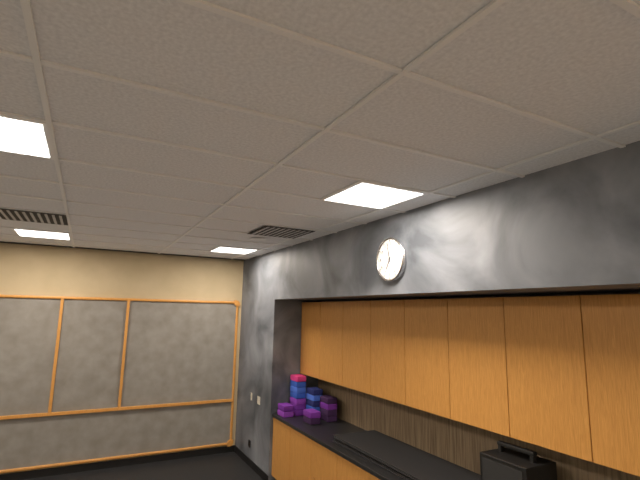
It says 6:58
